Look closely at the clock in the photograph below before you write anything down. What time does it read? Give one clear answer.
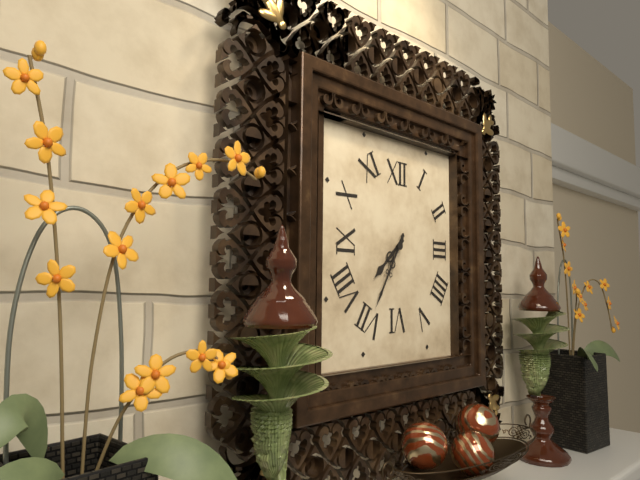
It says 7:35
